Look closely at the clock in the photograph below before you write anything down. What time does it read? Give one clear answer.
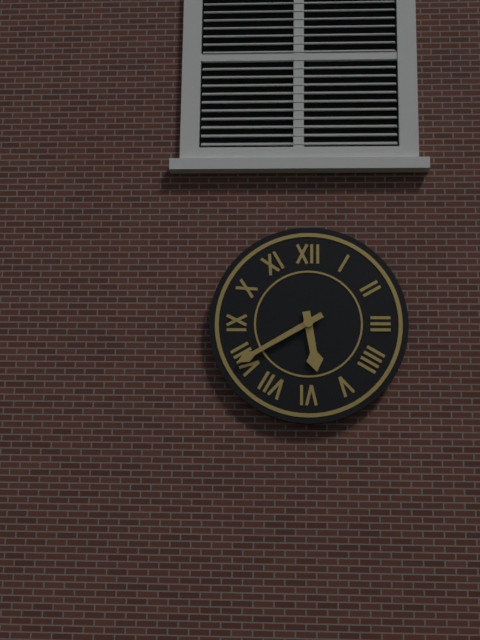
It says 5:40
